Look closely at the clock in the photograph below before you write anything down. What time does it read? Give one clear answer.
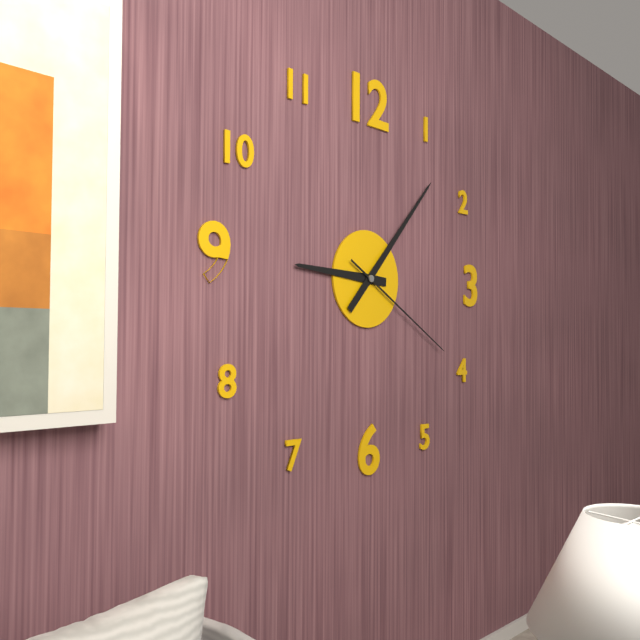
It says 9:07:20
